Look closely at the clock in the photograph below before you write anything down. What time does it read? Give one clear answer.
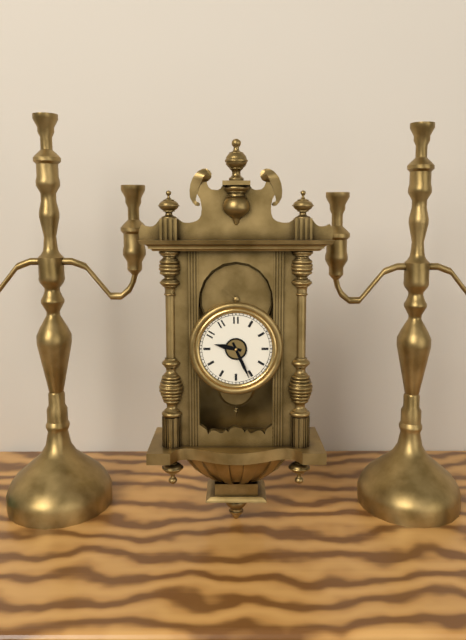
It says 9:26
